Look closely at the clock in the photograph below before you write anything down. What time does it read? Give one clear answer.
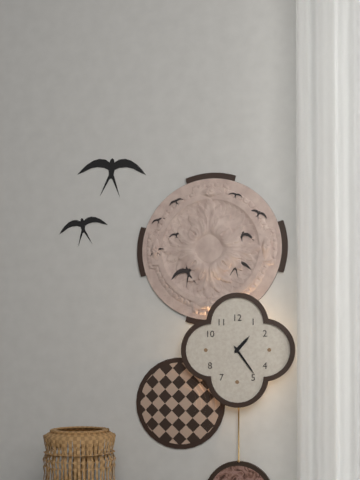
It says 1:24
